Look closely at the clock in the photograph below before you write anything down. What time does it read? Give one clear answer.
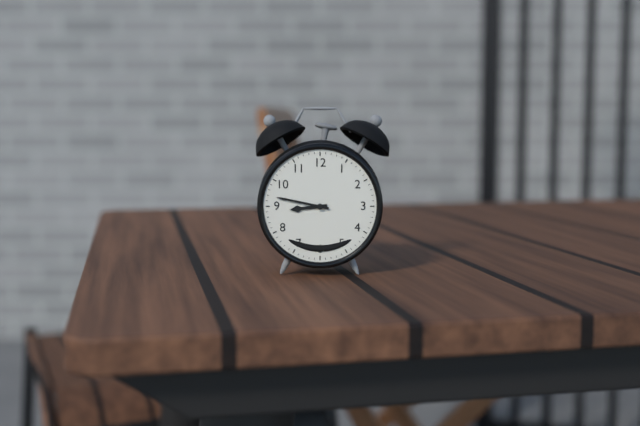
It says 8:47
